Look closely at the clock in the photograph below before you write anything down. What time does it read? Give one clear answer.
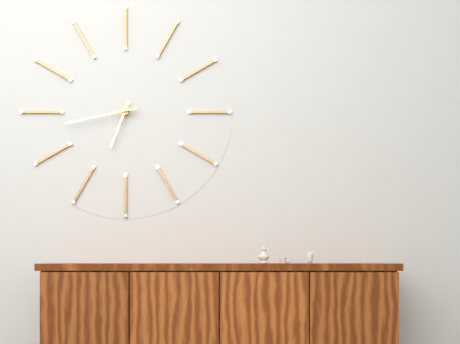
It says 6:43
